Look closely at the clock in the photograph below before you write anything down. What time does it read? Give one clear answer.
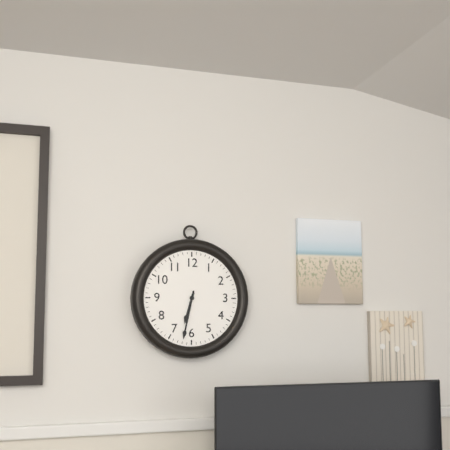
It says 6:32
